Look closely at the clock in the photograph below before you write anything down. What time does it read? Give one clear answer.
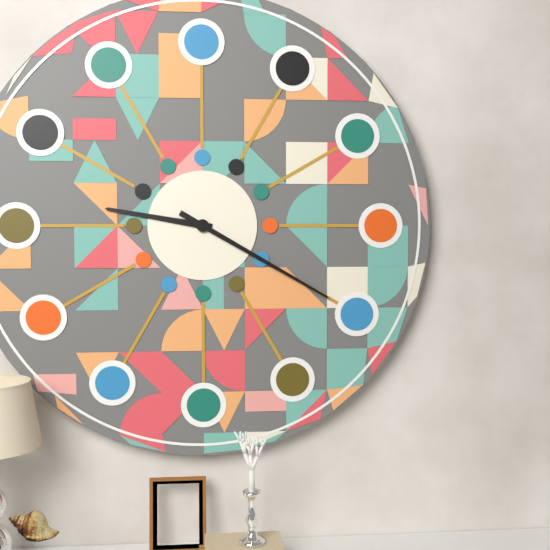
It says 9:20
